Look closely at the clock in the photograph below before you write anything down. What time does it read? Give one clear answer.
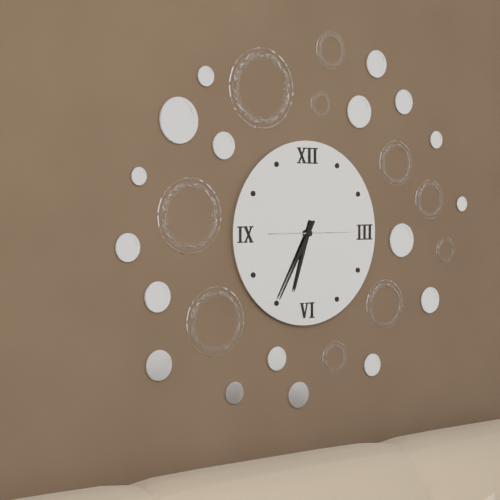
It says 6:35:15
